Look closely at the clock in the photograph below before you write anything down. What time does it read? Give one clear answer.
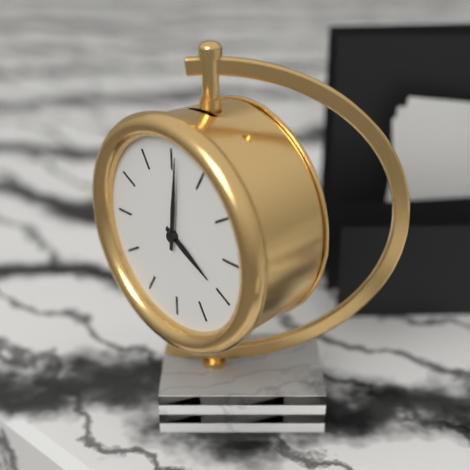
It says 4:01
